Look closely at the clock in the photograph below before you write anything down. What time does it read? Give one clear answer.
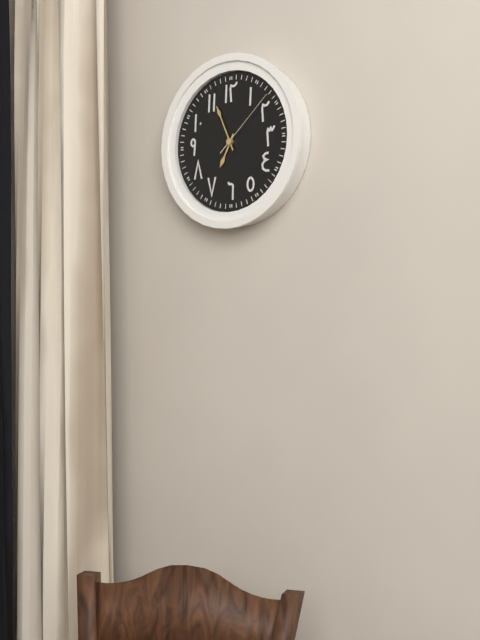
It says 6:56:08
